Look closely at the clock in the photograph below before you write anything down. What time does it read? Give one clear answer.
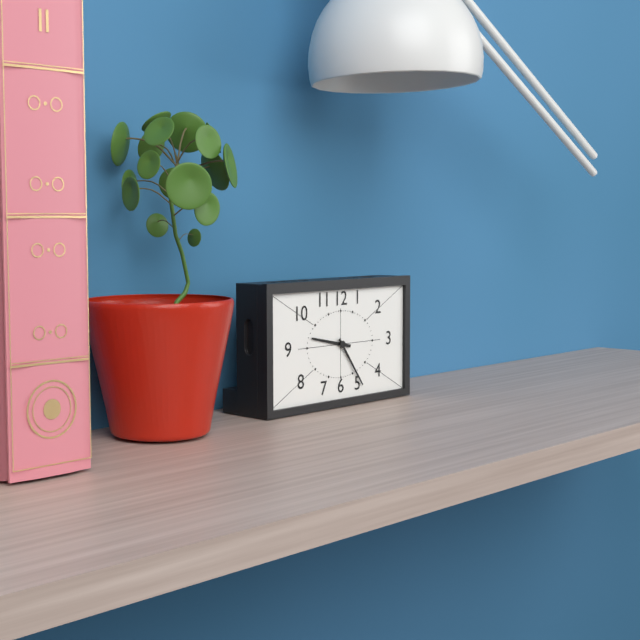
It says 9:24
